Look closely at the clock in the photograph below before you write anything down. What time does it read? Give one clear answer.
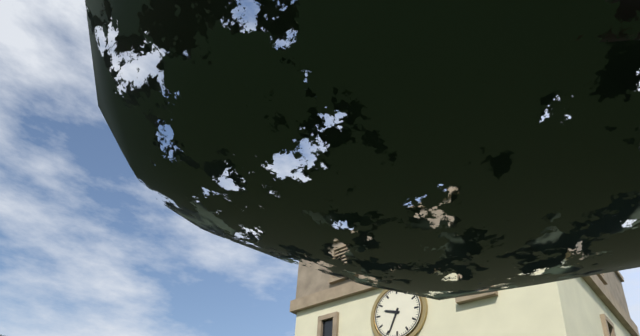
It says 9:34
